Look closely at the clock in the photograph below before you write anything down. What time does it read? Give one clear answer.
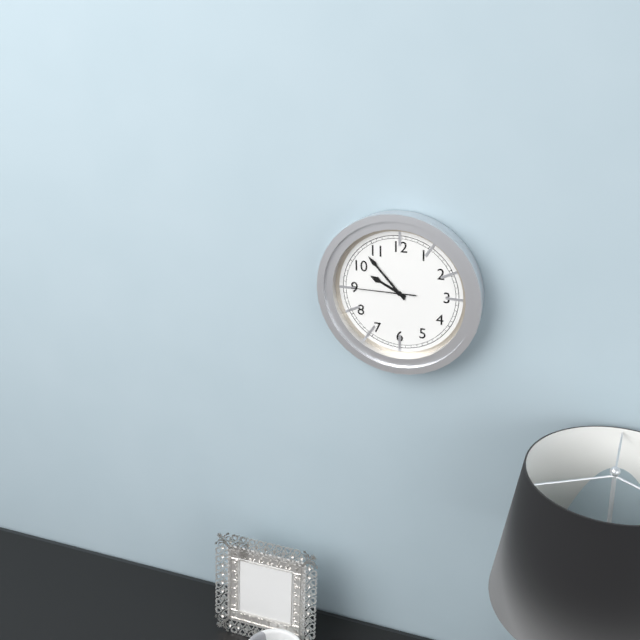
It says 9:53:45
